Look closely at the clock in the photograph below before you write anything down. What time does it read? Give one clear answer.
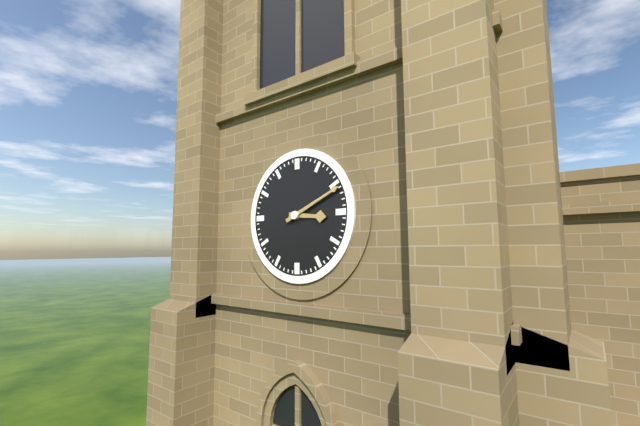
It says 3:11
